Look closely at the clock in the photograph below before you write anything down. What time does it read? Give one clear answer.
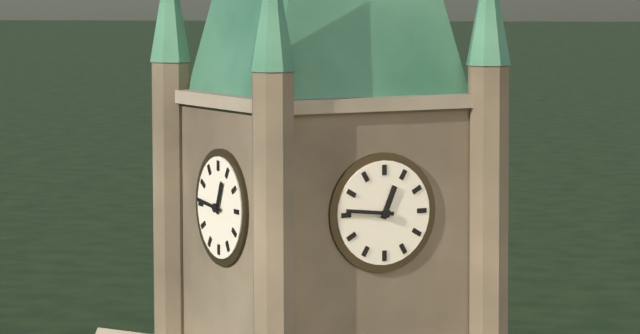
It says 12:46
